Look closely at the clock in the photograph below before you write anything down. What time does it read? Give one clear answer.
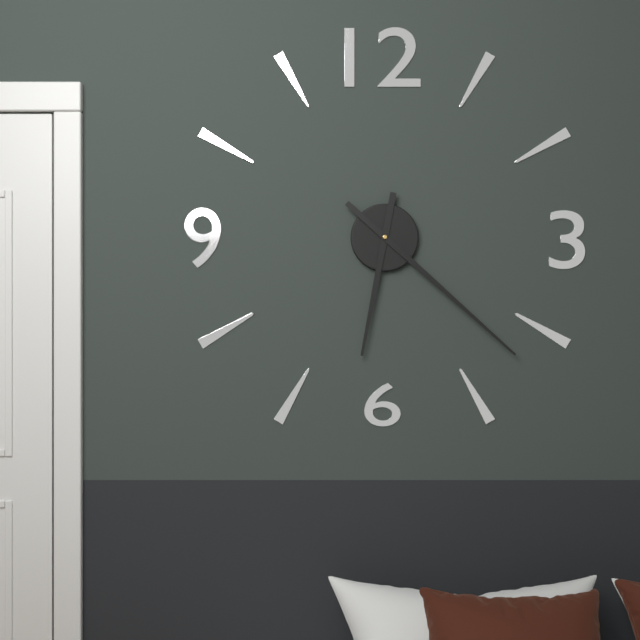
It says 6:22
